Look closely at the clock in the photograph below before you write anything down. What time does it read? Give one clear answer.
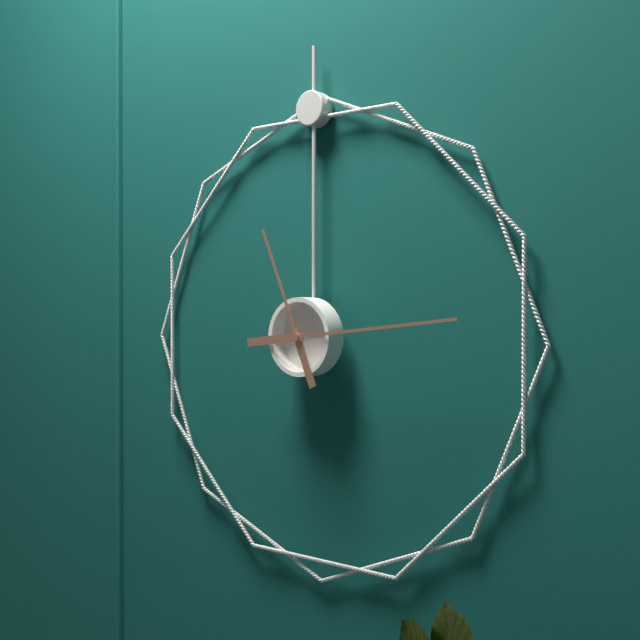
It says 11:14
